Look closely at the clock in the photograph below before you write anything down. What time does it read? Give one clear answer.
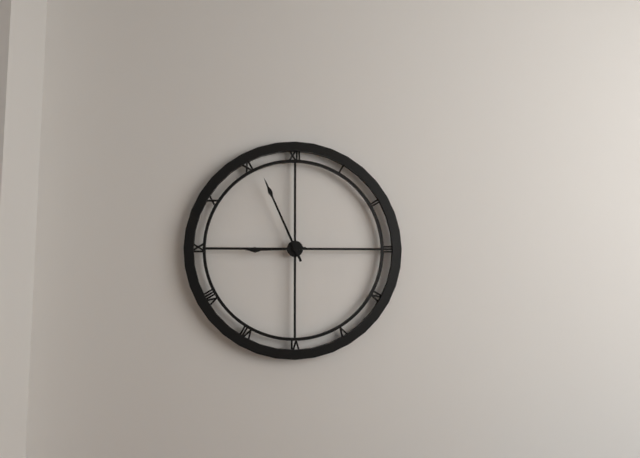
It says 8:56
